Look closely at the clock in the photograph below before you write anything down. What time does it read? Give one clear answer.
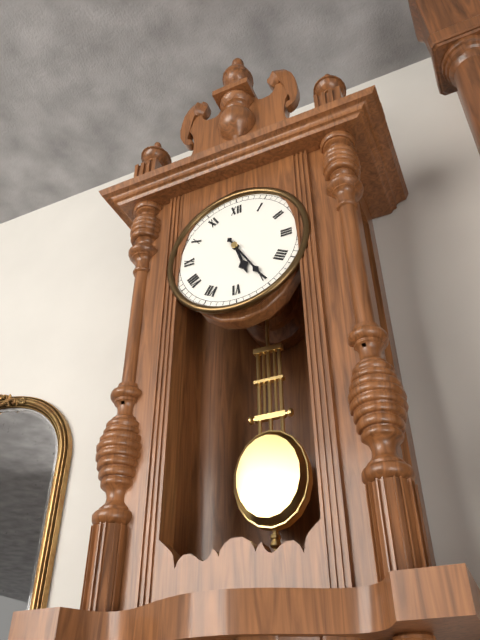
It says 5:25
